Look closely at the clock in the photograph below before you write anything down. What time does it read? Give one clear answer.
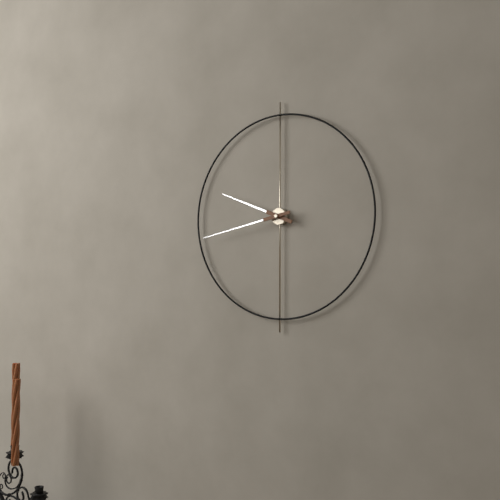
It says 9:43
